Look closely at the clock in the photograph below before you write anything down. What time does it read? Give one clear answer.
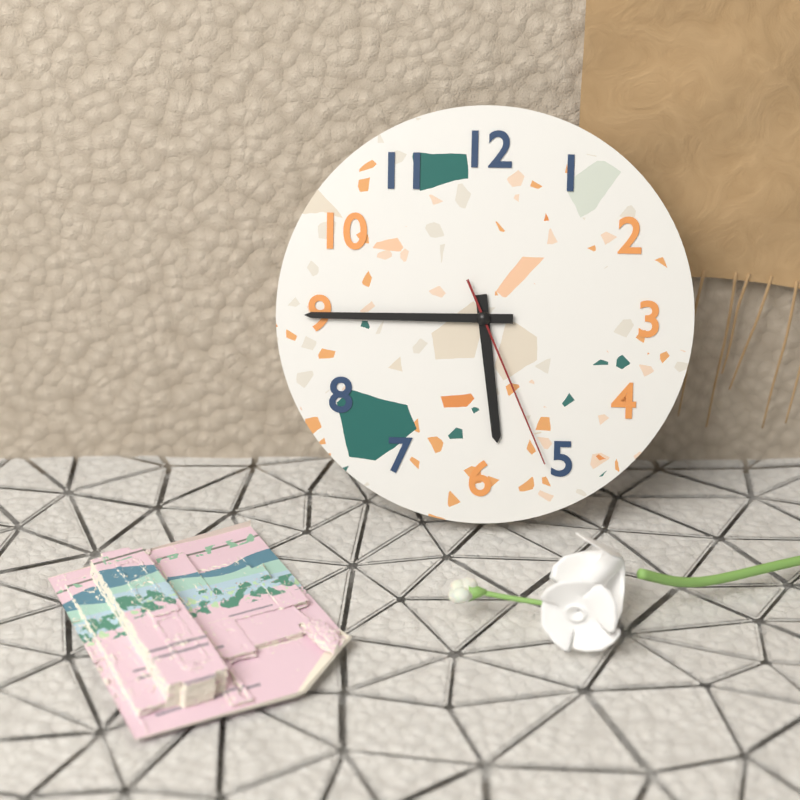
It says 5:45:26
